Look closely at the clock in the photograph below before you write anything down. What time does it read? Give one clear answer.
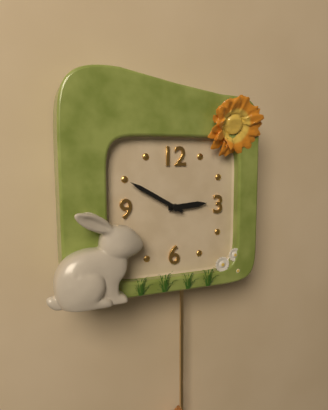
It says 2:50
